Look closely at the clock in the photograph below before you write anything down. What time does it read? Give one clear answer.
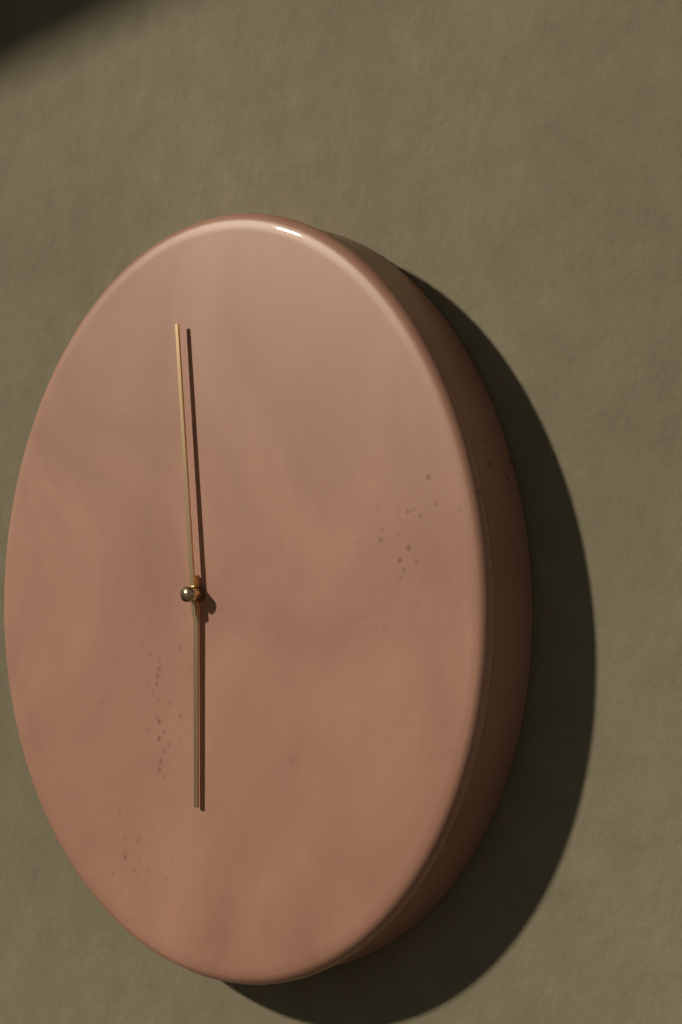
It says 5:59
